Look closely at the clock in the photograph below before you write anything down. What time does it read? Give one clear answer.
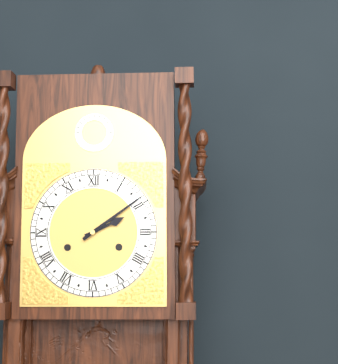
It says 2:09
